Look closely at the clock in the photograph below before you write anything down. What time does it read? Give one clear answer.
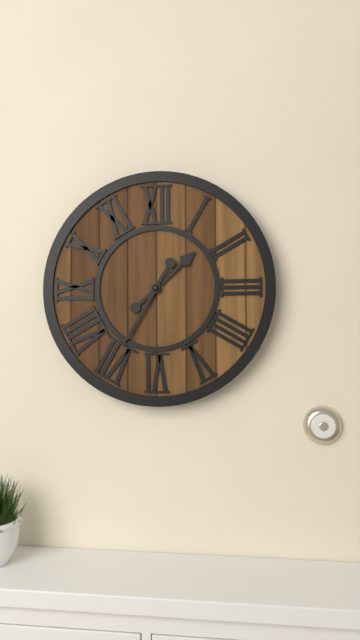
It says 1:35
